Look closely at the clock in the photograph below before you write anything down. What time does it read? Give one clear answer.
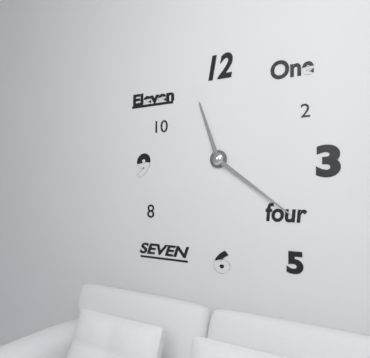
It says 11:21
